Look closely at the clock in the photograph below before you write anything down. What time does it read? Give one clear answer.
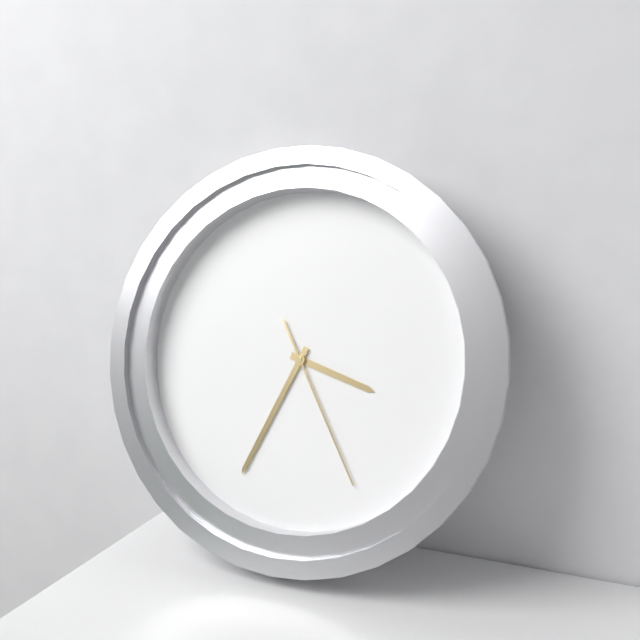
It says 3:34:25
